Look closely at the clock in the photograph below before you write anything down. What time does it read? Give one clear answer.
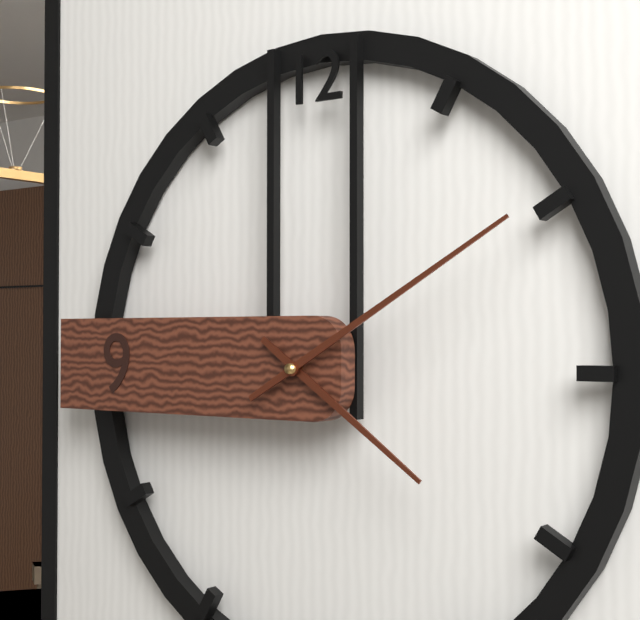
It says 4:10
